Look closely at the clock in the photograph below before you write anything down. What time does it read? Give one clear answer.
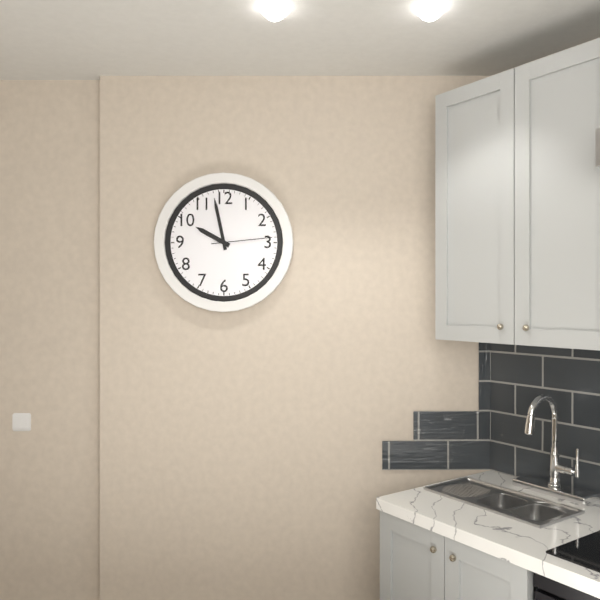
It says 9:58:14
